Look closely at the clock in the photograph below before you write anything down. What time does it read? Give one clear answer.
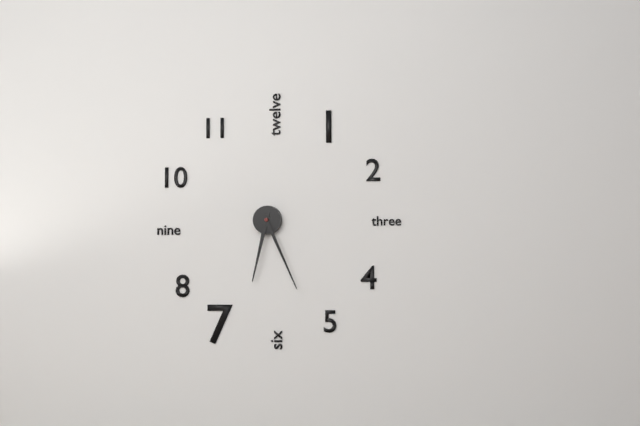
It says 6:26
